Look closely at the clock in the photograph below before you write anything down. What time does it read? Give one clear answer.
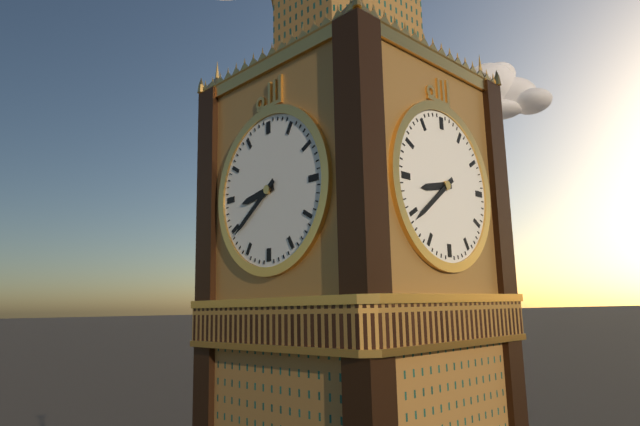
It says 8:39
